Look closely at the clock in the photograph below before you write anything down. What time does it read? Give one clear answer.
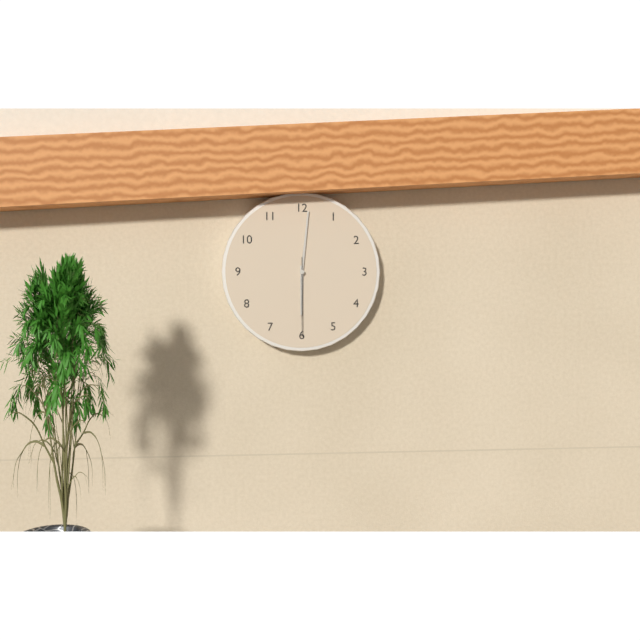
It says 6:01:30
